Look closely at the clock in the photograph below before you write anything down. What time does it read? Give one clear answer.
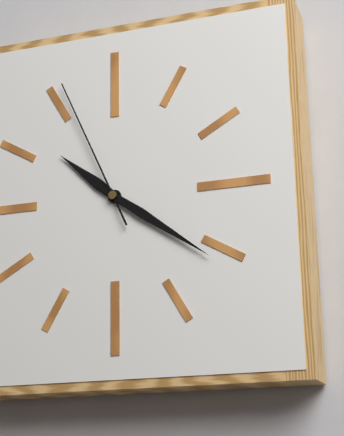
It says 10:21:56
